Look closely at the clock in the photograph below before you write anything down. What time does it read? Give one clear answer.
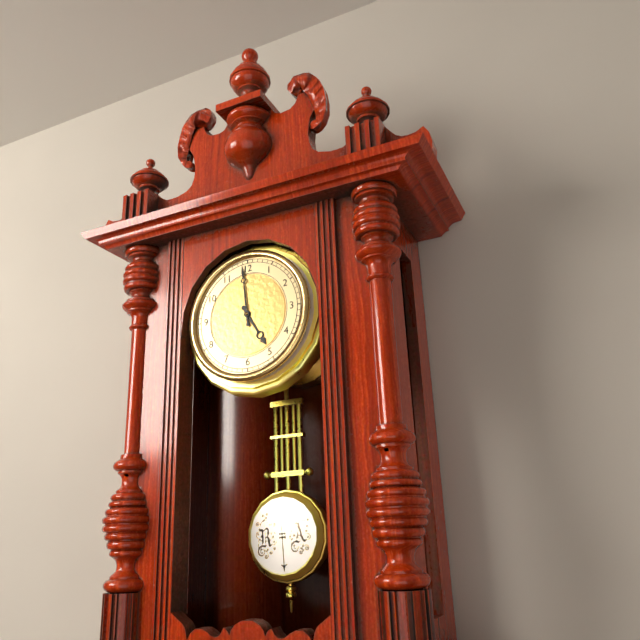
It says 4:59
